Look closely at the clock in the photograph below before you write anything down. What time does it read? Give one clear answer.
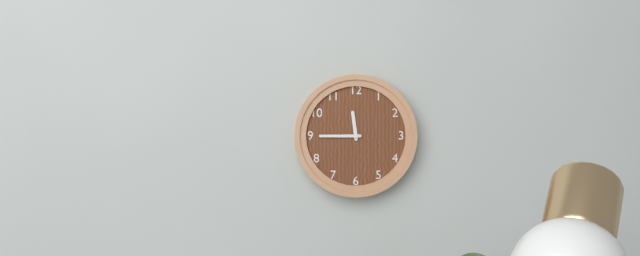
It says 11:45
